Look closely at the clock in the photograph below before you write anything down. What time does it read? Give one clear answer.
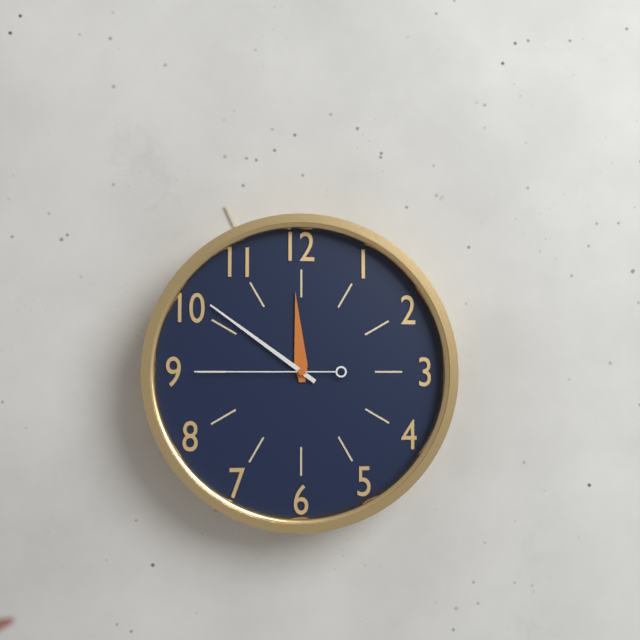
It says 11:51:45
